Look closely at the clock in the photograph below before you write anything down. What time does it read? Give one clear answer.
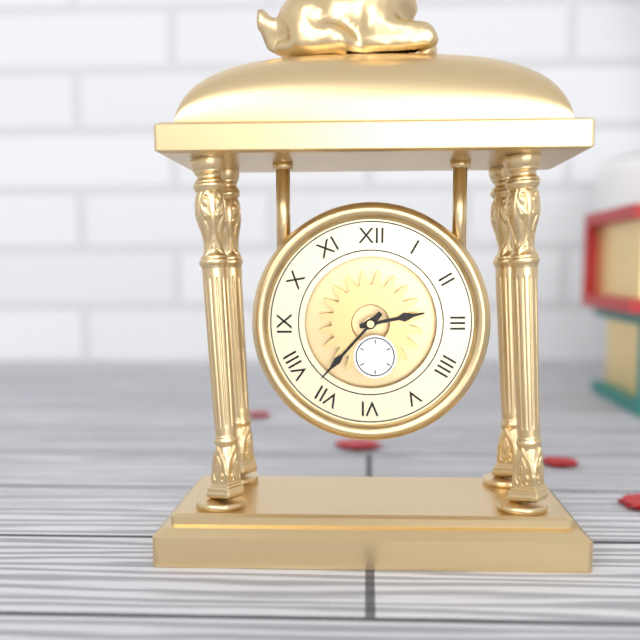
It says 2:37
